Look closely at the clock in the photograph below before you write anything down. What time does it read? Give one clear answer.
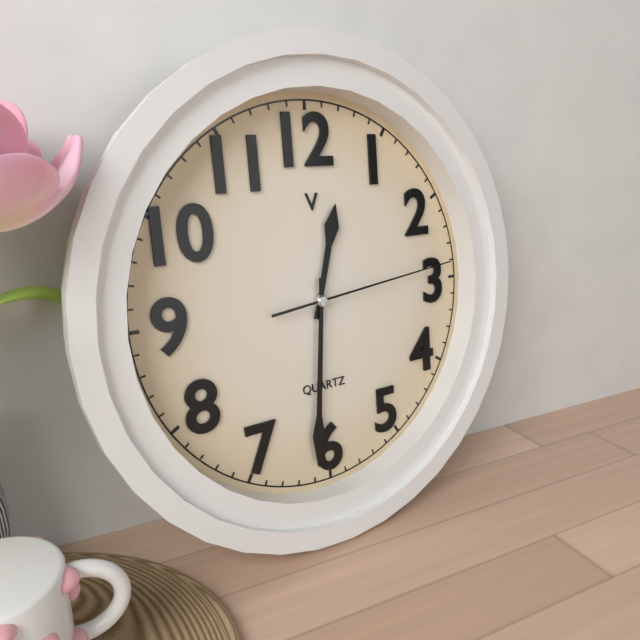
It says 12:31:14
